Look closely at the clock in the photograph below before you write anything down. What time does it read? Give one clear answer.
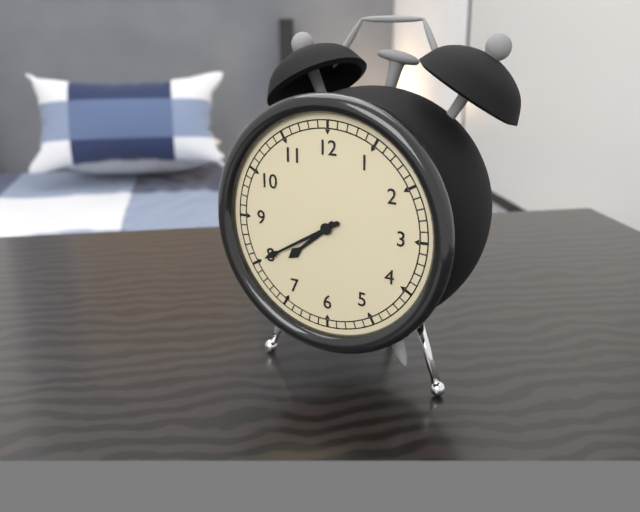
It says 7:40
